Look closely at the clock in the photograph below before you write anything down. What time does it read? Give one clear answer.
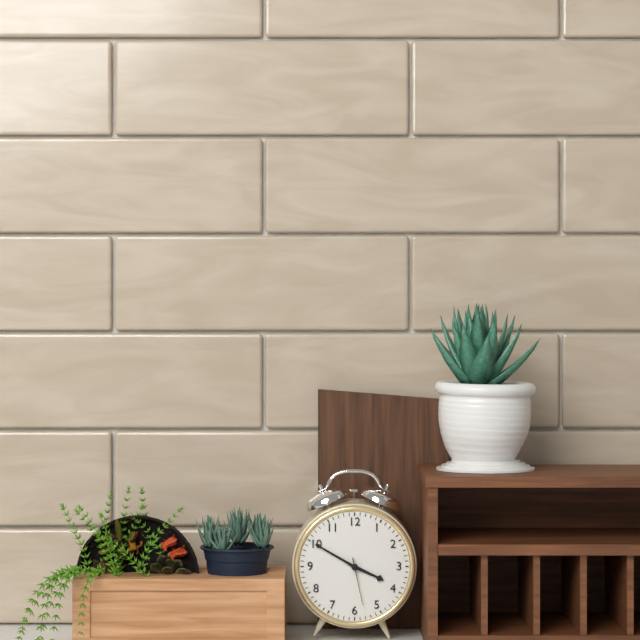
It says 3:50
